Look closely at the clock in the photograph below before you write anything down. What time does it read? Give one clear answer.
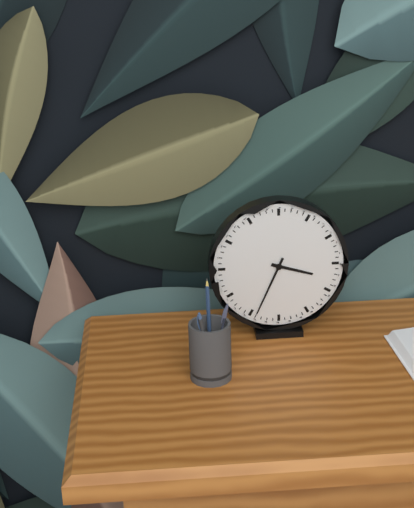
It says 3:34
